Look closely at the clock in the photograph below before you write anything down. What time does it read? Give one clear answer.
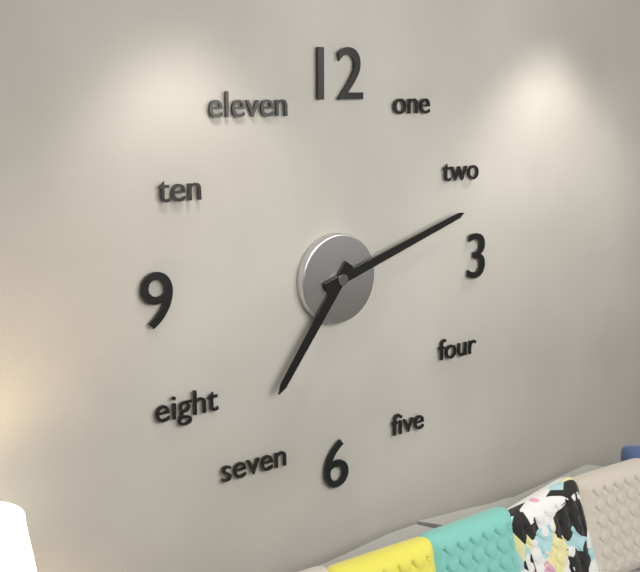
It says 7:12
